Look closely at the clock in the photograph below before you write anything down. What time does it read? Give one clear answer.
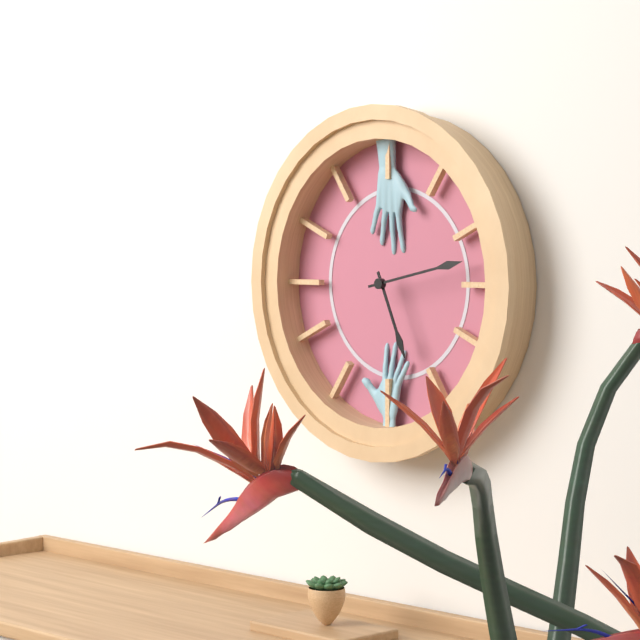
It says 5:13
